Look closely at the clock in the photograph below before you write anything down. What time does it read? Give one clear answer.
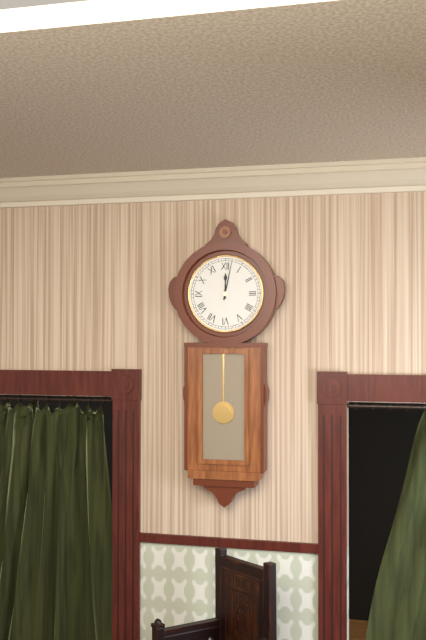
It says 12:02
